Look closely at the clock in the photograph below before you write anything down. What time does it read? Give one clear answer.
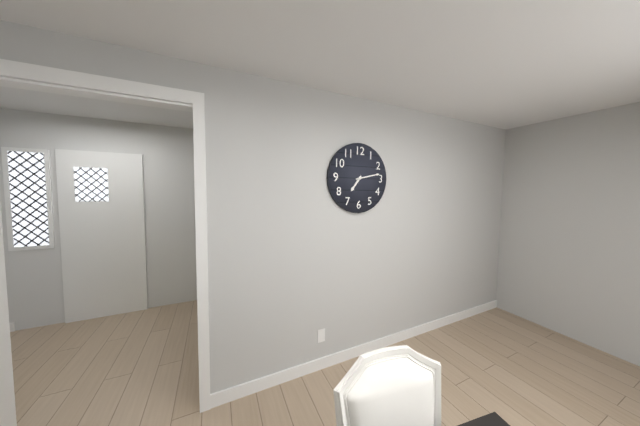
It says 7:13
